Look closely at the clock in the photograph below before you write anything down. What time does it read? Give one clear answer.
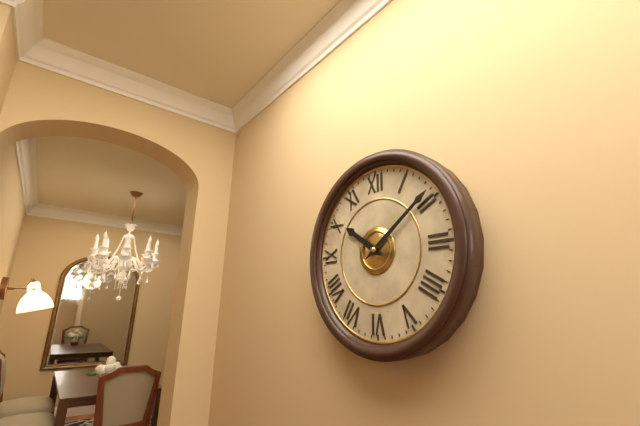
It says 10:09
